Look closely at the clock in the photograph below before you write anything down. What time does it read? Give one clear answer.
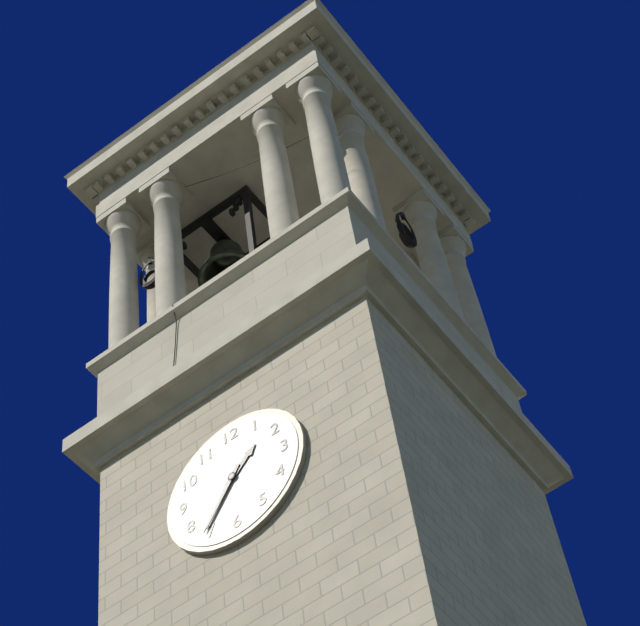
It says 1:36
